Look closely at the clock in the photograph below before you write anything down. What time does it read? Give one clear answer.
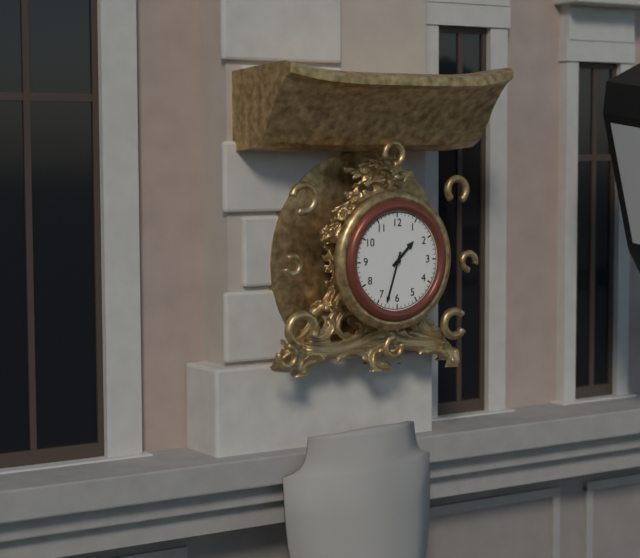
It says 1:33
